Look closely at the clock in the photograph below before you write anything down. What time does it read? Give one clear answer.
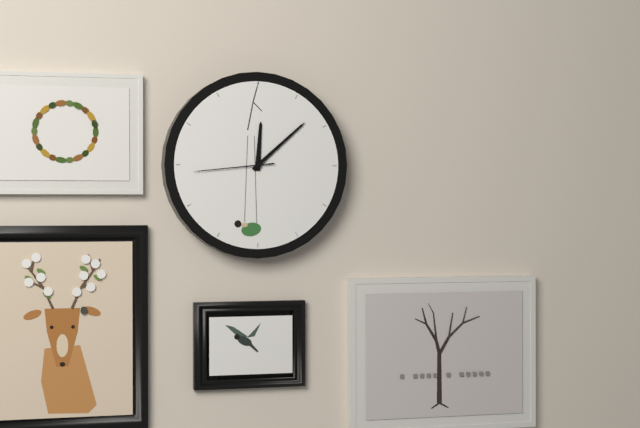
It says 12:08:44
